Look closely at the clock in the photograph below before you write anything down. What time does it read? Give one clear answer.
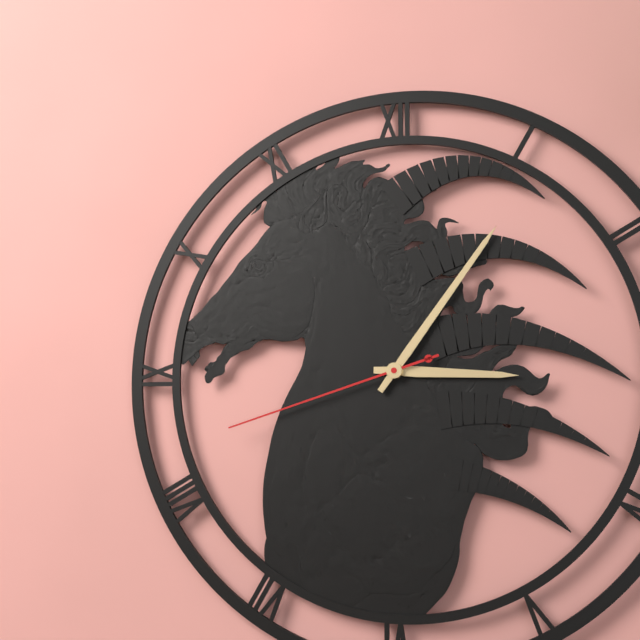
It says 3:06:42
